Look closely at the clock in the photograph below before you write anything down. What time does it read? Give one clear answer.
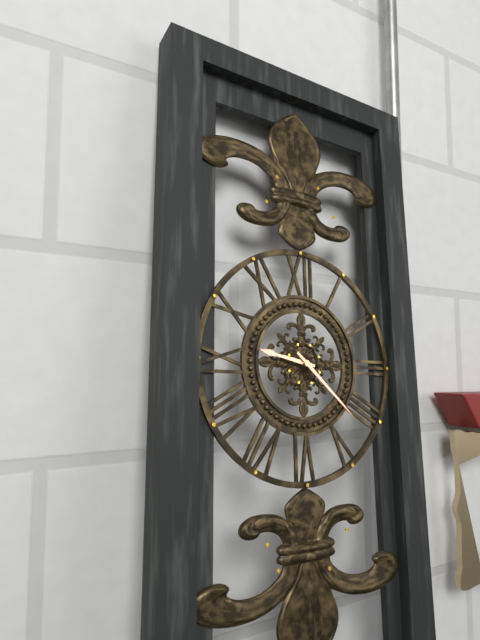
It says 9:22
